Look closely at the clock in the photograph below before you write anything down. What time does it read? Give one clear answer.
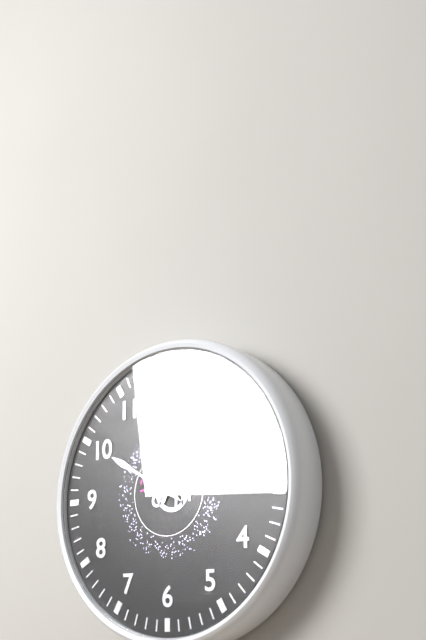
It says 12:50:50
